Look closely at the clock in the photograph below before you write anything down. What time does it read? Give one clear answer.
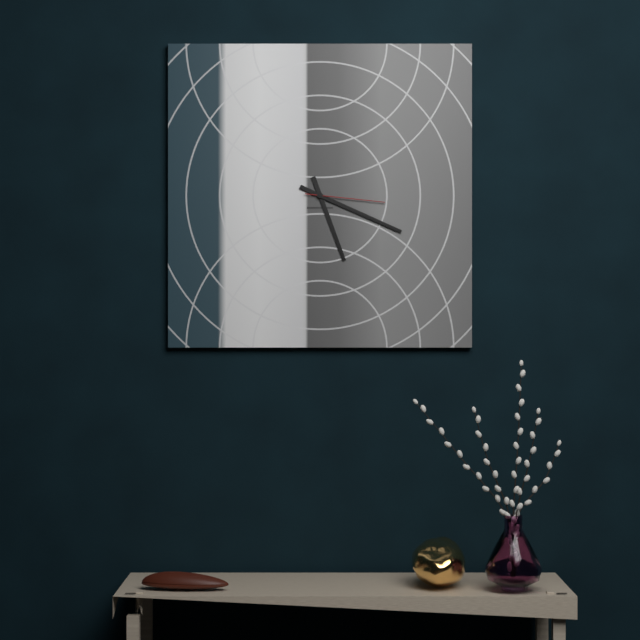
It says 5:19:16
